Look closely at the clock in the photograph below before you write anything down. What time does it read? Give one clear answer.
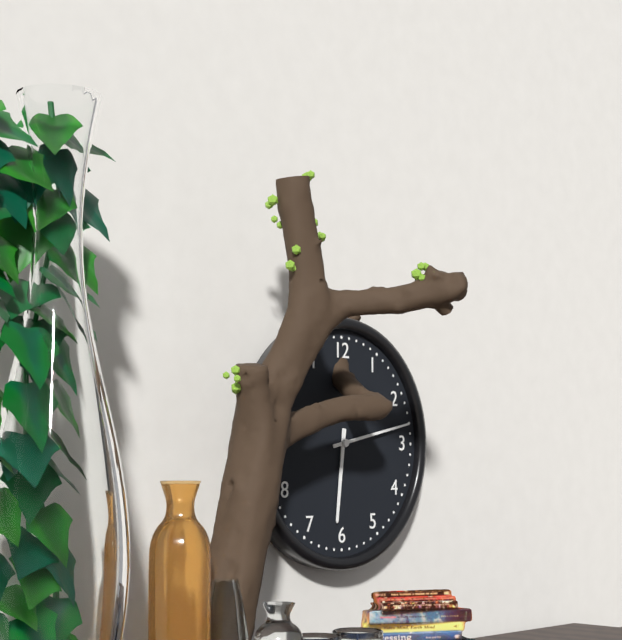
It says 6:13
